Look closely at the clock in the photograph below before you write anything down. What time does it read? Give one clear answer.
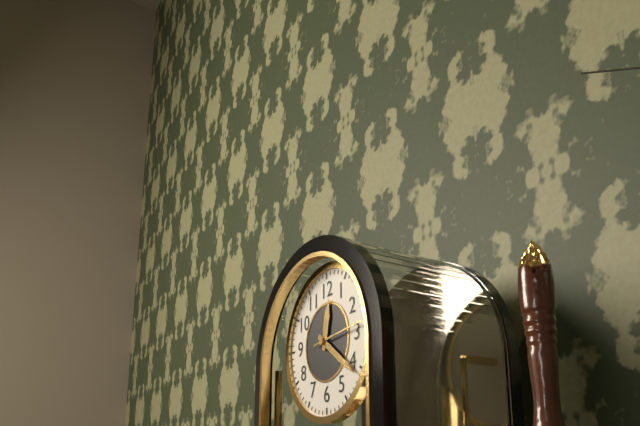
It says 12:21:14
